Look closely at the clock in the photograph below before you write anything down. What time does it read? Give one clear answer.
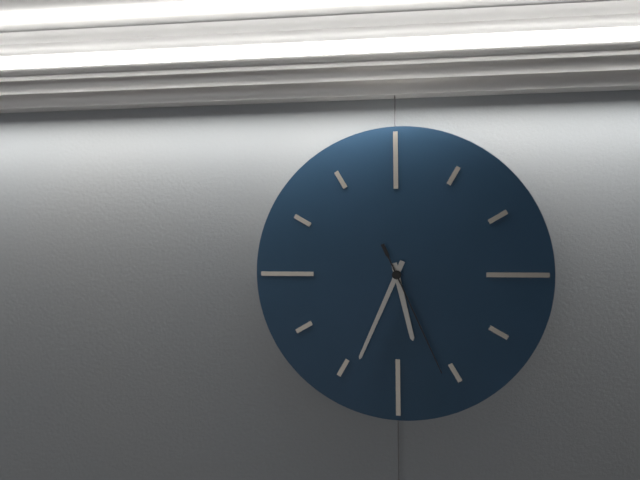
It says 5:34:26
